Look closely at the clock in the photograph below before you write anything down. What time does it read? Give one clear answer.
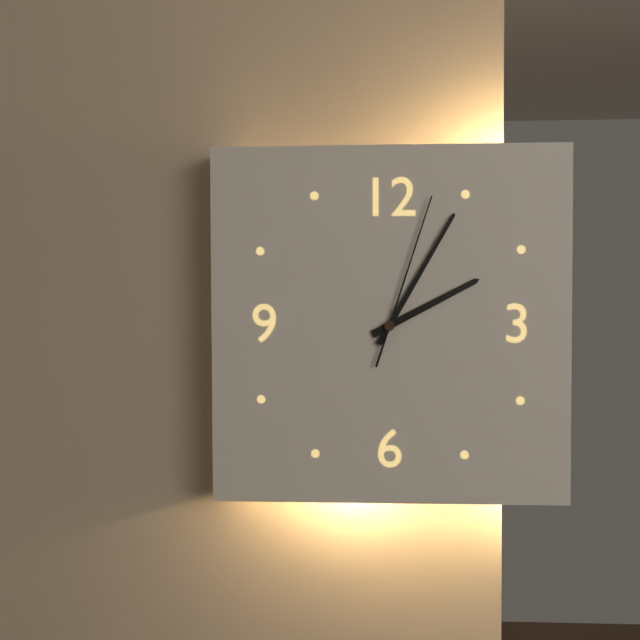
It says 2:05:03
